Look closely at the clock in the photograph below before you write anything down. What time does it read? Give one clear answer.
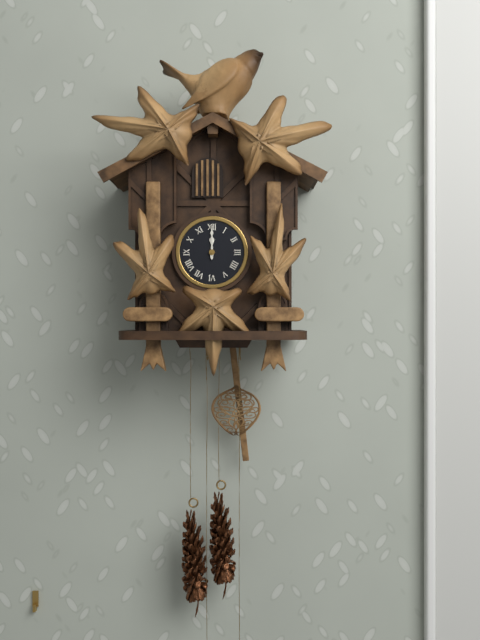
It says 12:00
